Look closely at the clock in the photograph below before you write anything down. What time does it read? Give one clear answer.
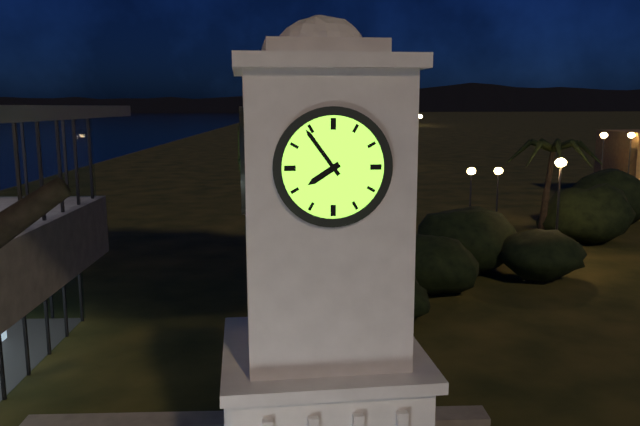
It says 7:54
